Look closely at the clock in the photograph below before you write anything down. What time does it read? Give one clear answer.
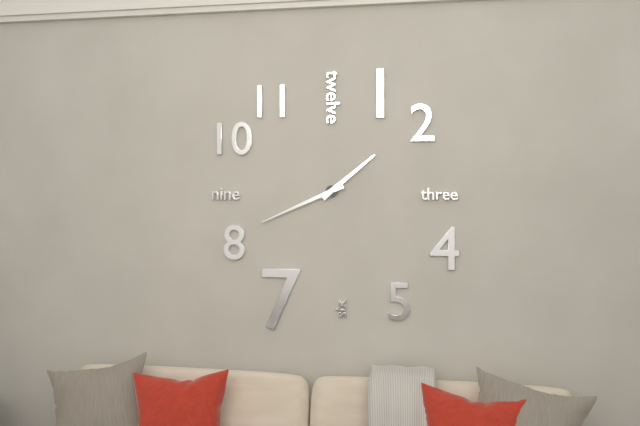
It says 1:41
